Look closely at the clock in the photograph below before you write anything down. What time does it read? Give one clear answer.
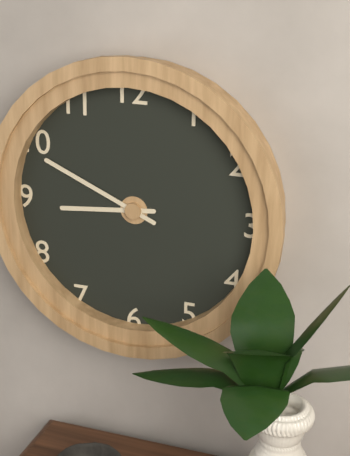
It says 8:49
